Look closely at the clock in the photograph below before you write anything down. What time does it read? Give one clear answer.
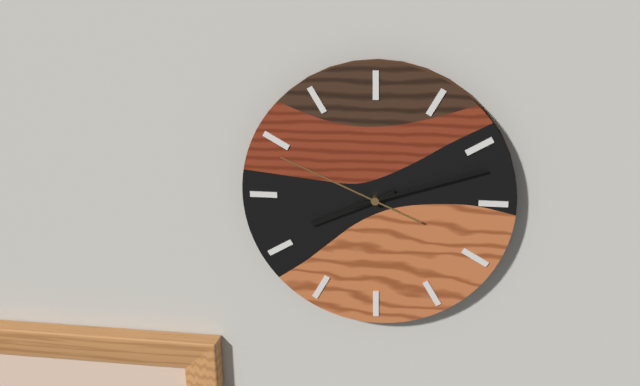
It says 8:12:49
